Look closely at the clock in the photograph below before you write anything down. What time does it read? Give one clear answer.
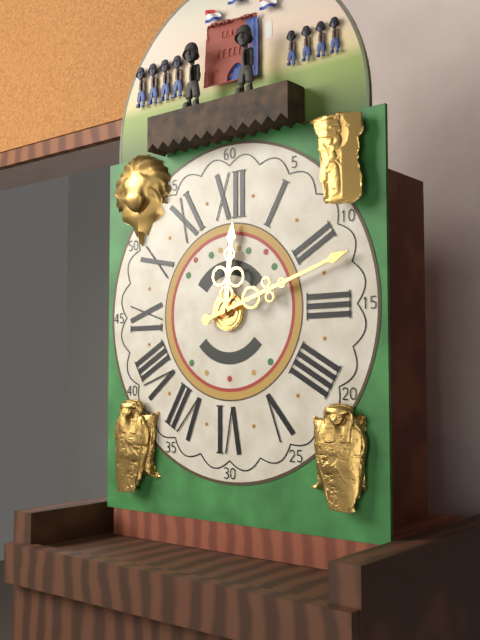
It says 12:12
